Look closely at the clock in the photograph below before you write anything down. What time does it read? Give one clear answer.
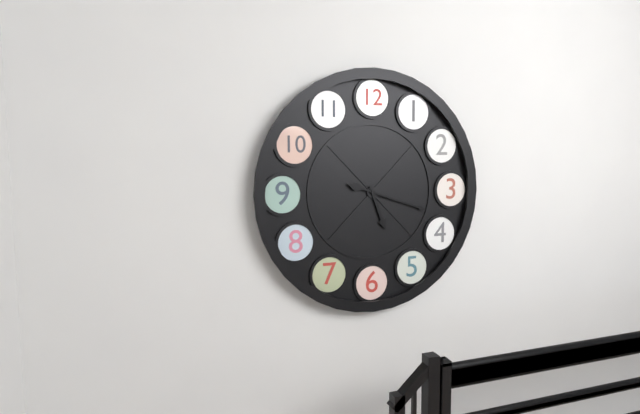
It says 5:18
